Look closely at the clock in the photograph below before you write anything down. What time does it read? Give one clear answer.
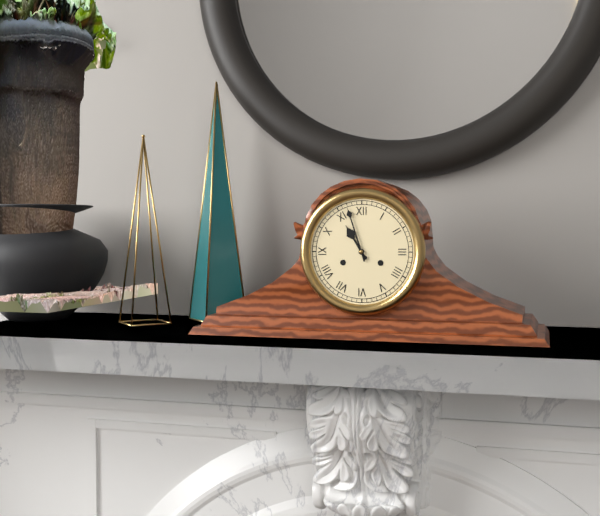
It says 10:57
